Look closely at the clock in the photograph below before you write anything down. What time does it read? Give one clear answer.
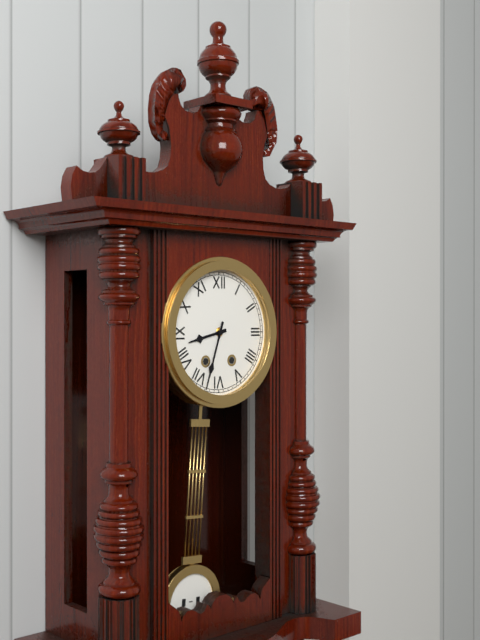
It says 8:33
